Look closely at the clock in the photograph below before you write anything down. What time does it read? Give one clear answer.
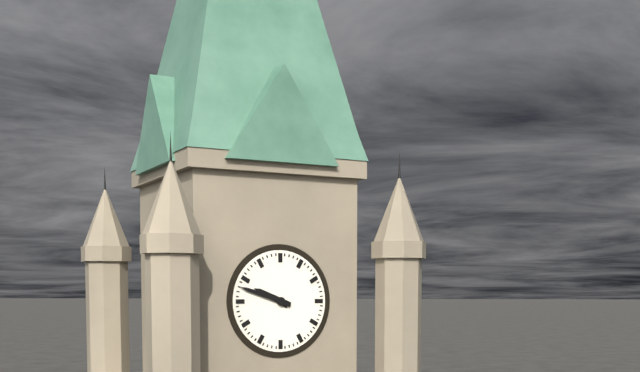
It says 9:48
